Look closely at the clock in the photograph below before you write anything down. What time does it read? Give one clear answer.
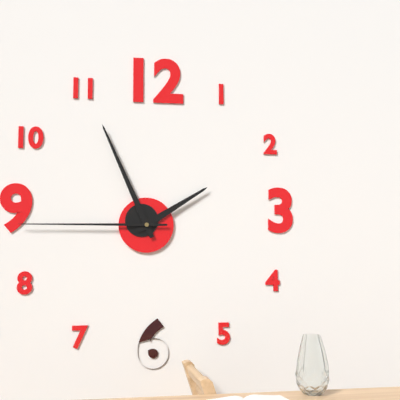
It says 1:56:45
